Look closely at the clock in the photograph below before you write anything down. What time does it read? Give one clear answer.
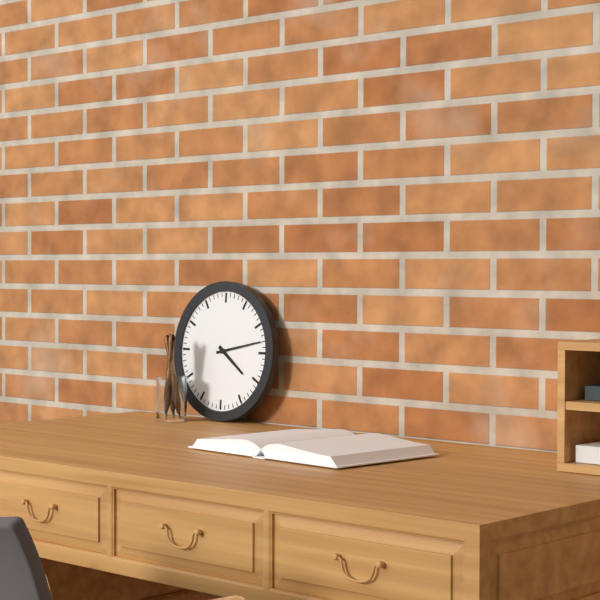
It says 4:13
